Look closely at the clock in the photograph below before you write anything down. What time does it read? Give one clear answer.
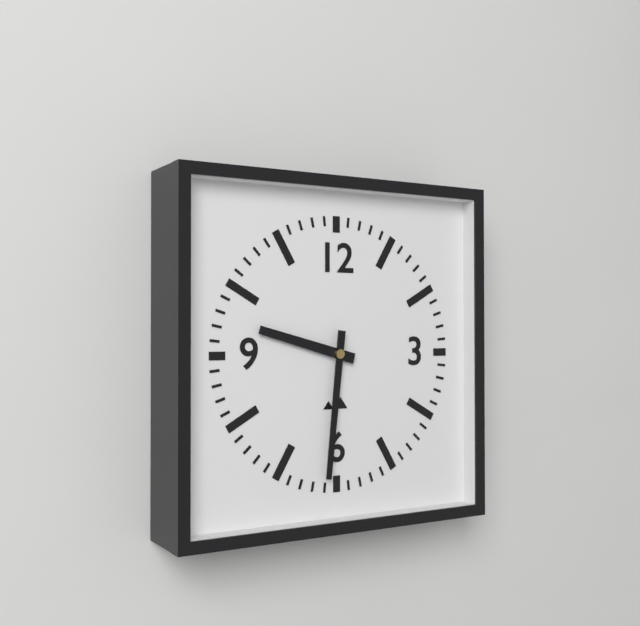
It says 9:31
